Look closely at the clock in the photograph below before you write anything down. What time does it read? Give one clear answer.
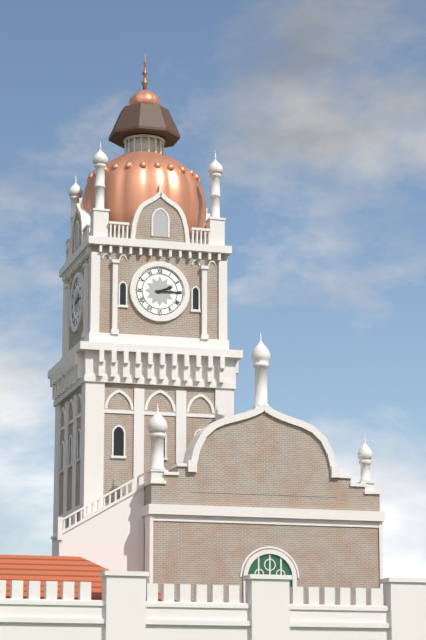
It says 2:15
